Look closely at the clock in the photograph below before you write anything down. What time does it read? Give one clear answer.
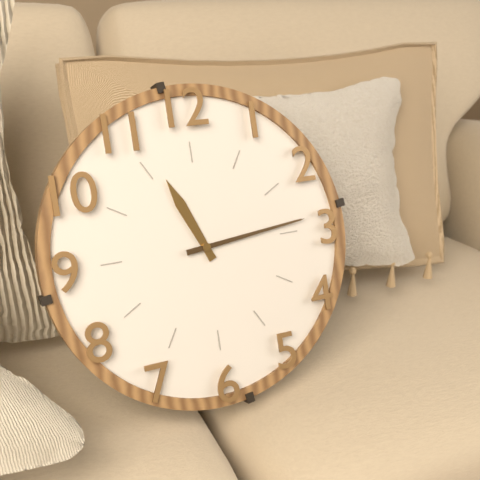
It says 11:14
